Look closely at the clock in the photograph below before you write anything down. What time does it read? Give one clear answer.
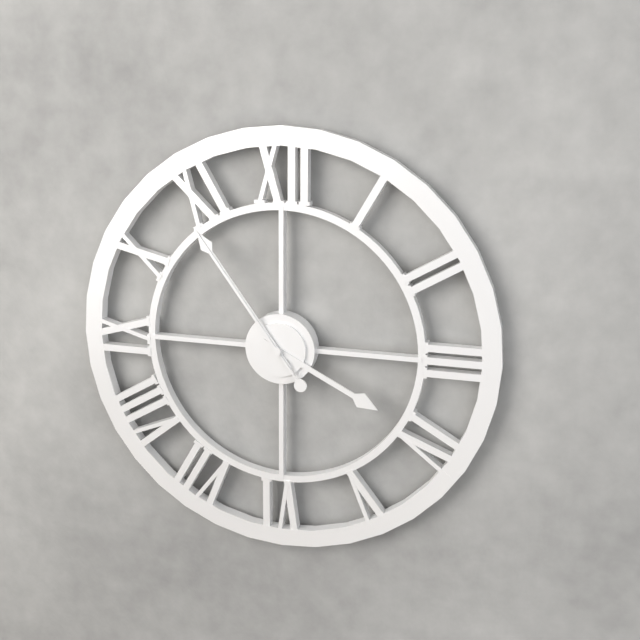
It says 3:54:54
